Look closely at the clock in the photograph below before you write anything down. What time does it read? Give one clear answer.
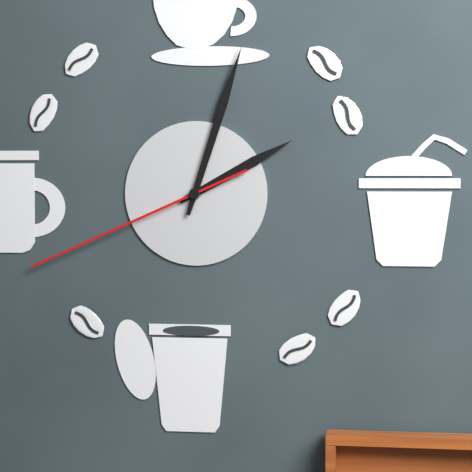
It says 2:03:41
